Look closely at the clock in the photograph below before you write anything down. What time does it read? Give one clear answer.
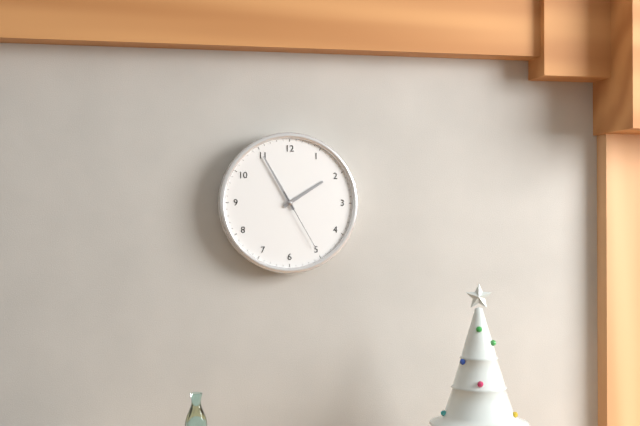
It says 1:55:25
